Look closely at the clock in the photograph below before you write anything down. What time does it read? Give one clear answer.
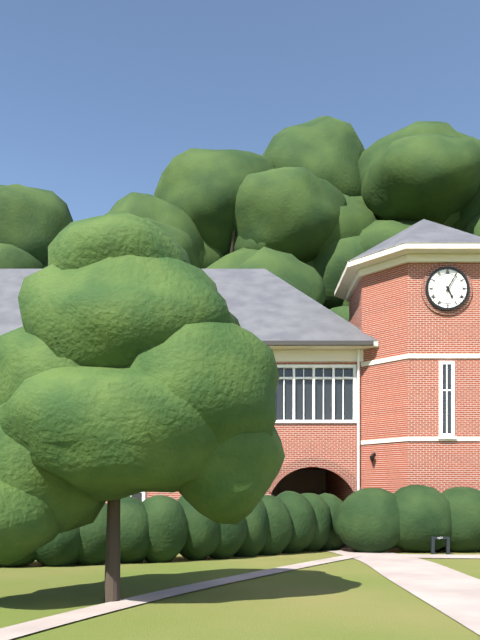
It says 5:05
